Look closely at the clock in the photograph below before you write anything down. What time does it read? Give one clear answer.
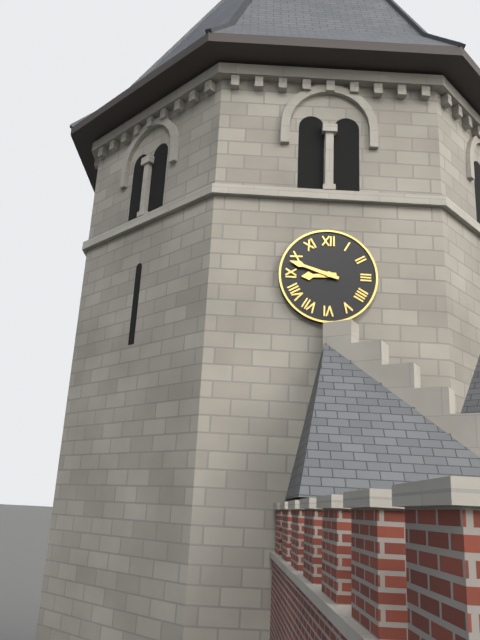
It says 8:48
